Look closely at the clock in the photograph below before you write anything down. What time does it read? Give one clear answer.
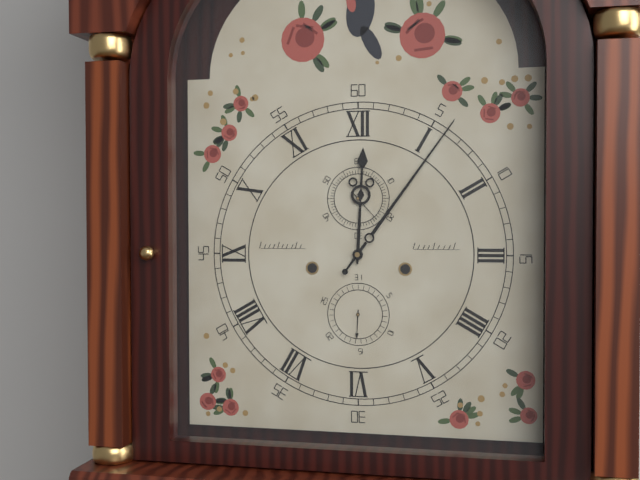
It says 12:06
